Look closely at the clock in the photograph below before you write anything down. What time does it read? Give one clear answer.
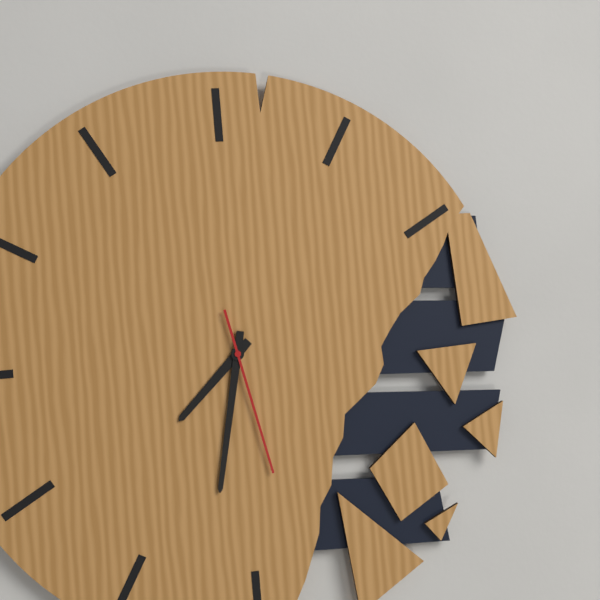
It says 7:32:28
